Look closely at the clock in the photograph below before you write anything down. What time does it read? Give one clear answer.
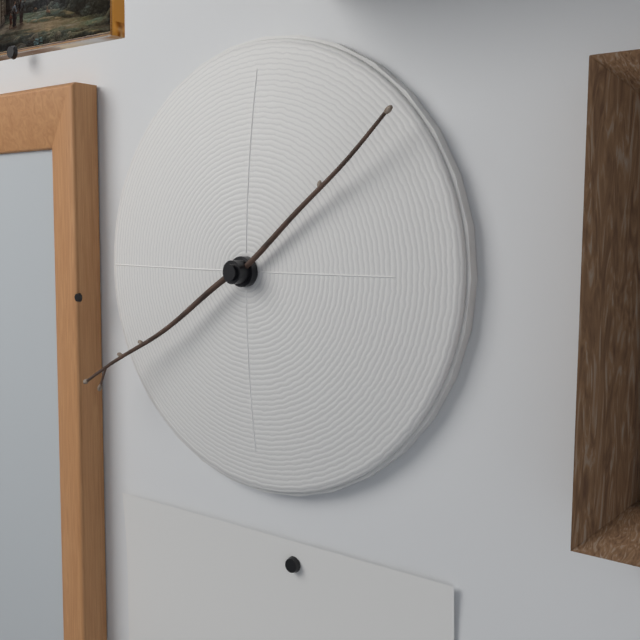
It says 1:40
